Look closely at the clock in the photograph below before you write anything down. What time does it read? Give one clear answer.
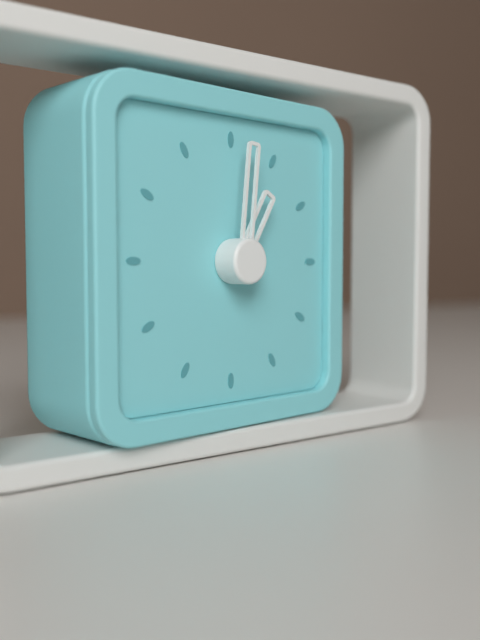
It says 1:01
